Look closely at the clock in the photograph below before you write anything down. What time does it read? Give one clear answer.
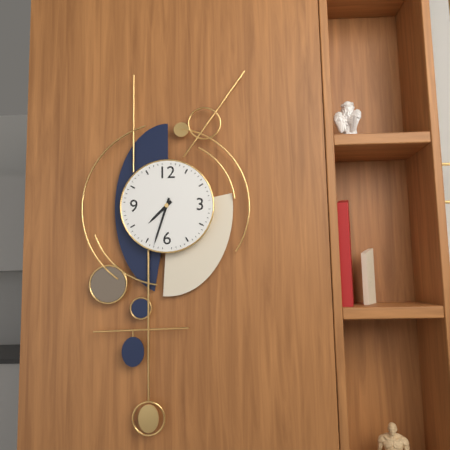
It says 7:33
